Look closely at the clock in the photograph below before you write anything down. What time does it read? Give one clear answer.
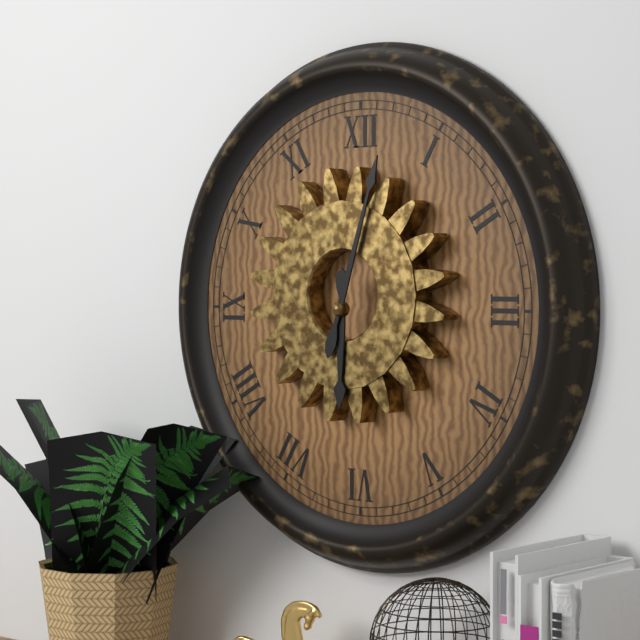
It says 6:03
